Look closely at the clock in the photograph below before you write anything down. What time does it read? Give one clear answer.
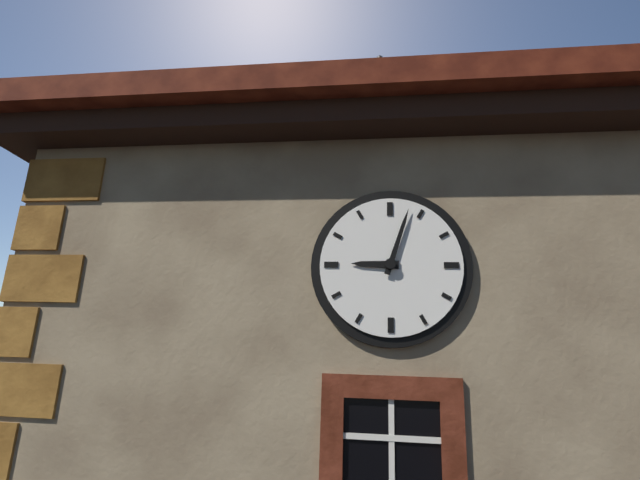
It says 9:03
